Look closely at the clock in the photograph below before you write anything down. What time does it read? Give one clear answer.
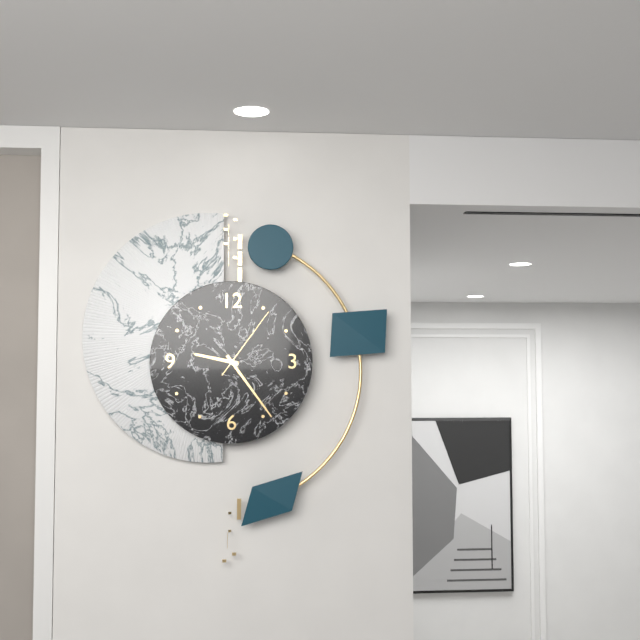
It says 9:24:06
